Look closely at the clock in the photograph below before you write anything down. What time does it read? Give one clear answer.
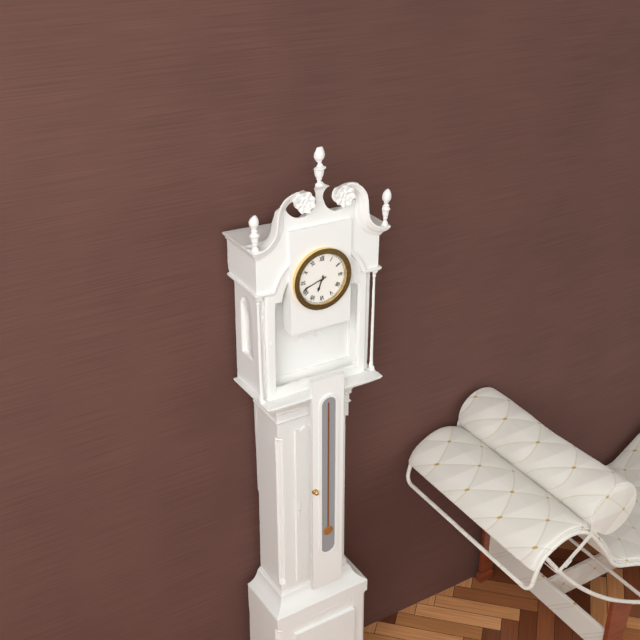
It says 6:42
